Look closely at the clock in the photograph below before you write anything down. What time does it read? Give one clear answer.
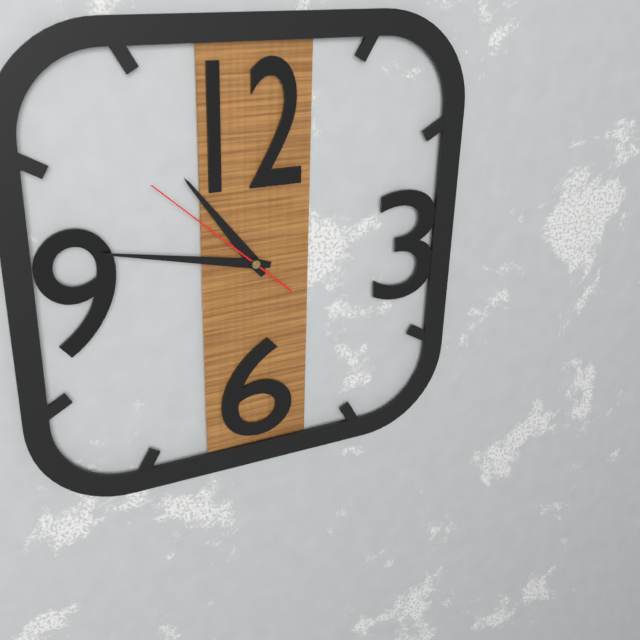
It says 10:47:52
